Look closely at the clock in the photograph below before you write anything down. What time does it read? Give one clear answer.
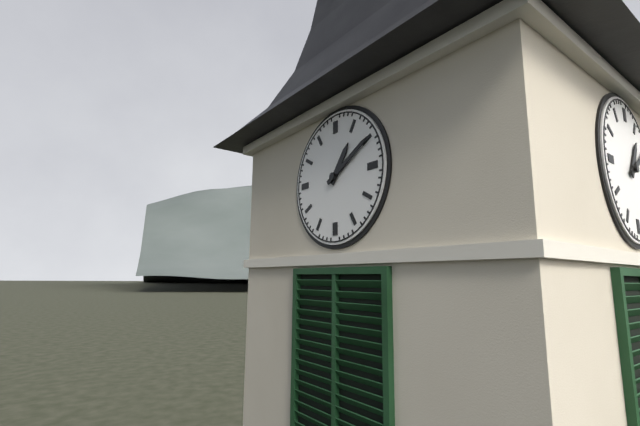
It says 1:10
